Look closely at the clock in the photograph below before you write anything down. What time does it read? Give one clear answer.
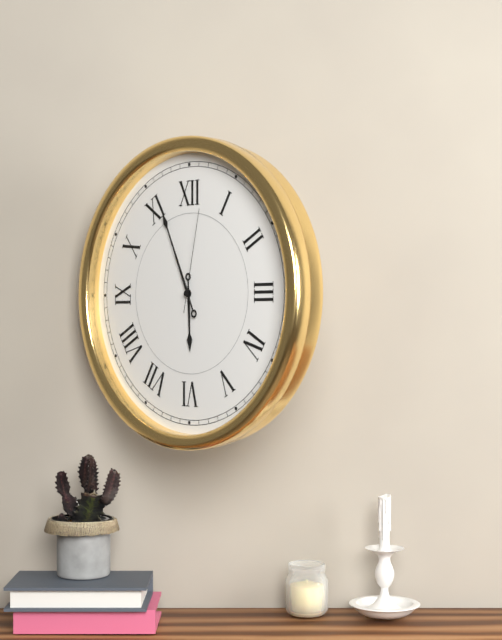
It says 5:56:02
